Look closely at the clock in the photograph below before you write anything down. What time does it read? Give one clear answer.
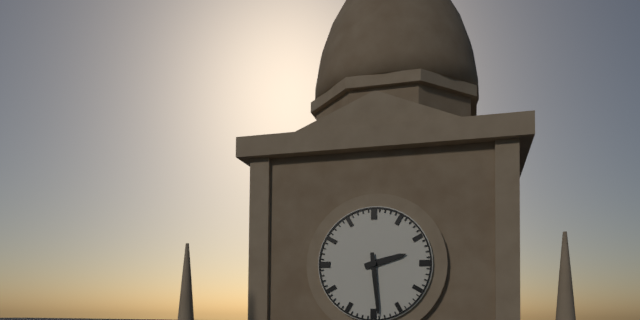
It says 2:29
